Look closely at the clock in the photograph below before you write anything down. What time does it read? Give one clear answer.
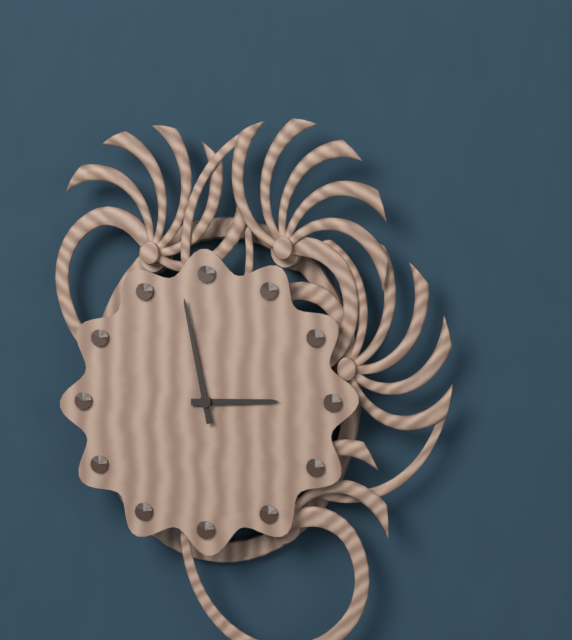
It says 2:58
